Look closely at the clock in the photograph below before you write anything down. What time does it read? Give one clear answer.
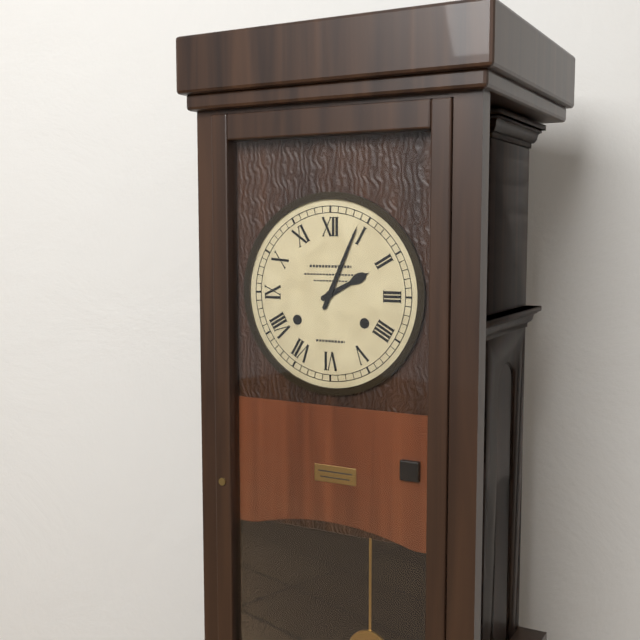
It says 2:04
